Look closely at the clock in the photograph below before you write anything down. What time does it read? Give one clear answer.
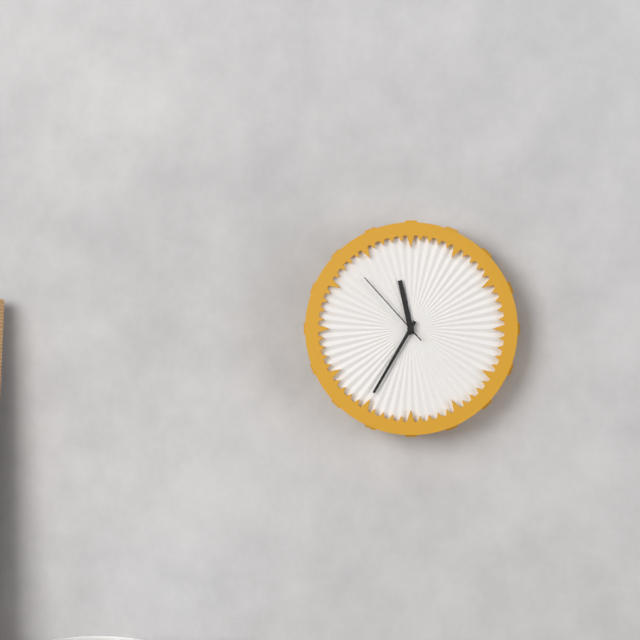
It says 11:35:53
